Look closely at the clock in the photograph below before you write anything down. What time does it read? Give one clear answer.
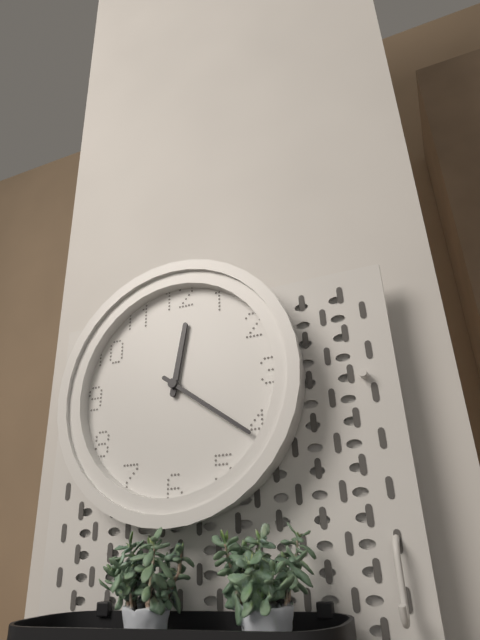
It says 12:21
